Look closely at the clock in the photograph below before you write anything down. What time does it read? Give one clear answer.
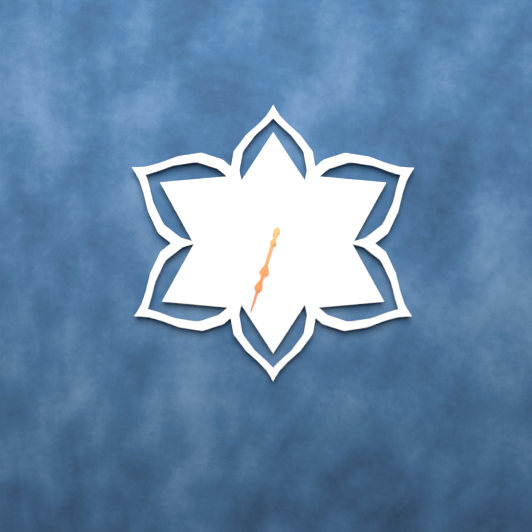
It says 6:33
